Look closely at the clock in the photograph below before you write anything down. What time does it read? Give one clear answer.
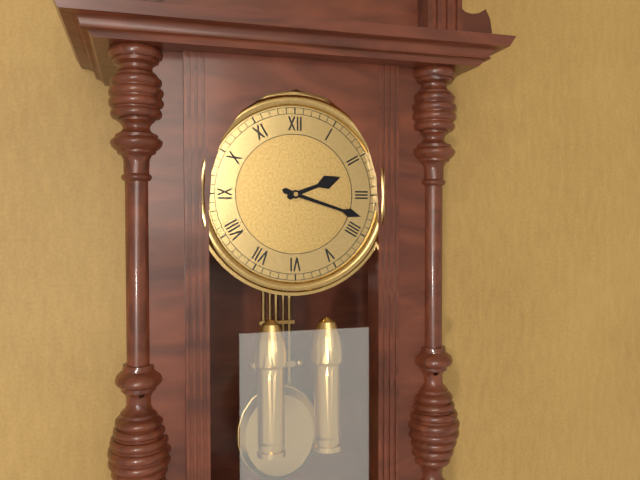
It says 2:18
